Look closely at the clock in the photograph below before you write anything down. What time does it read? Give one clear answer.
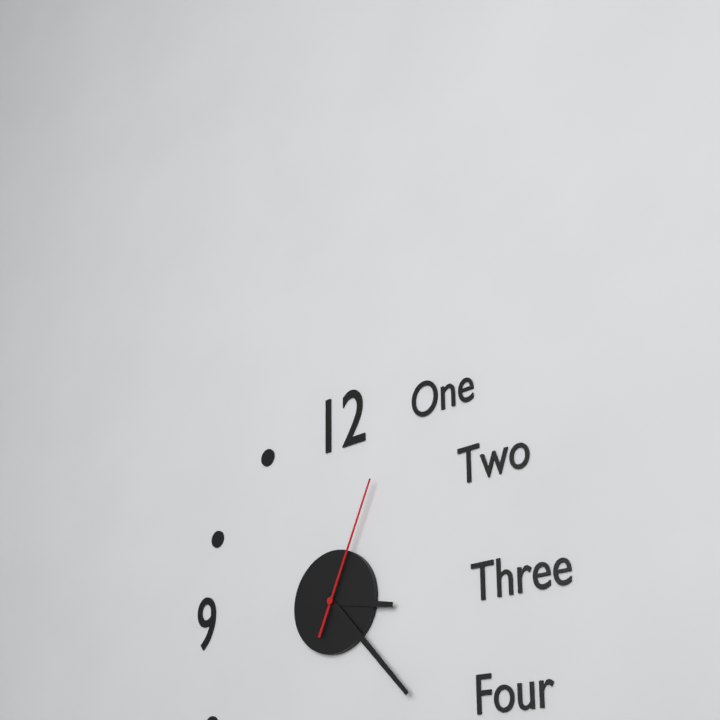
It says 3:23:04
